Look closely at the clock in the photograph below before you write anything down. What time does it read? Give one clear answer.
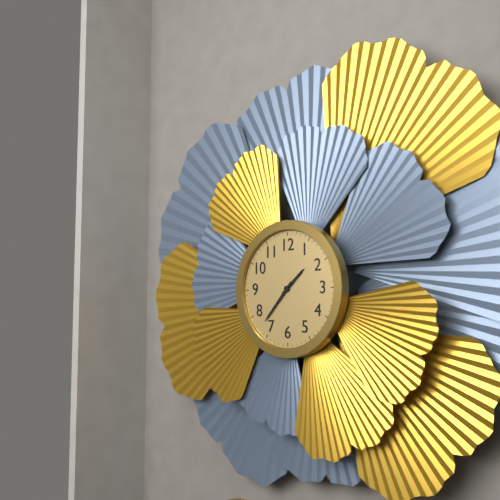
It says 1:37
